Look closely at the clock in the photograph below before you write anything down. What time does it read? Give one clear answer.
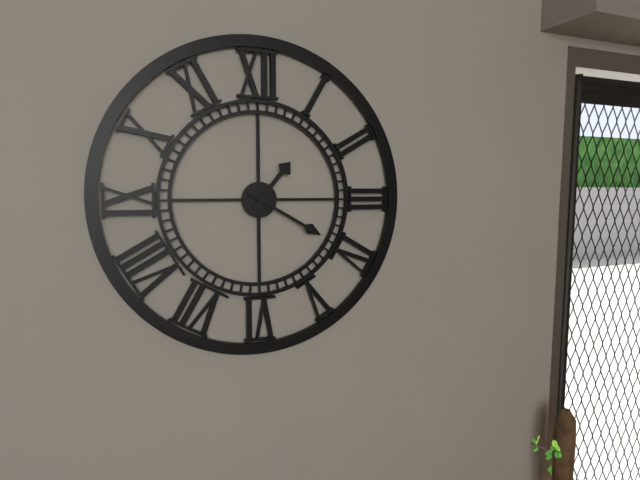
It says 1:20
